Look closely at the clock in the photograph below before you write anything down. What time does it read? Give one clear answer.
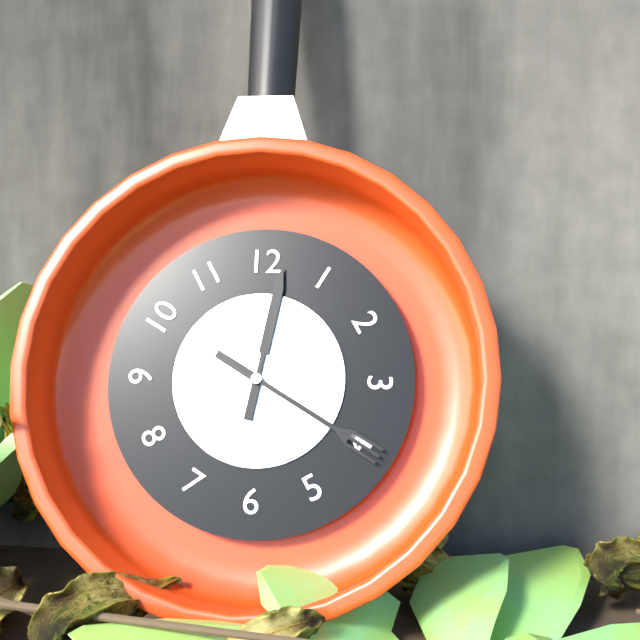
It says 12:20
